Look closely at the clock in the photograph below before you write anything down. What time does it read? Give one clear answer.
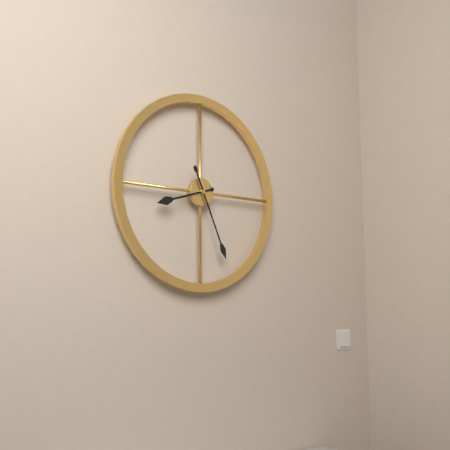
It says 8:26
